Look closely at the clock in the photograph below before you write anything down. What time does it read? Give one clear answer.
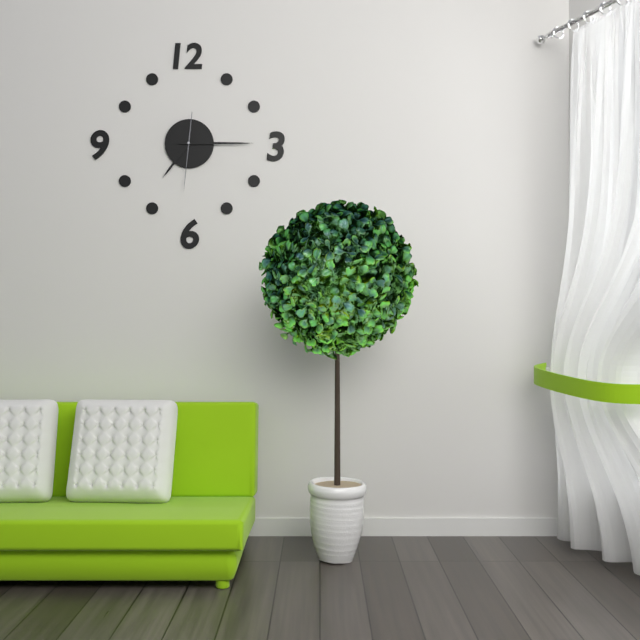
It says 7:15:31
